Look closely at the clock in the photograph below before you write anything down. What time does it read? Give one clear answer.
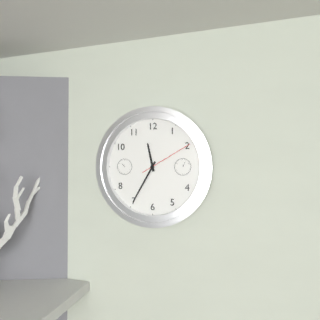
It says 11:35:10
